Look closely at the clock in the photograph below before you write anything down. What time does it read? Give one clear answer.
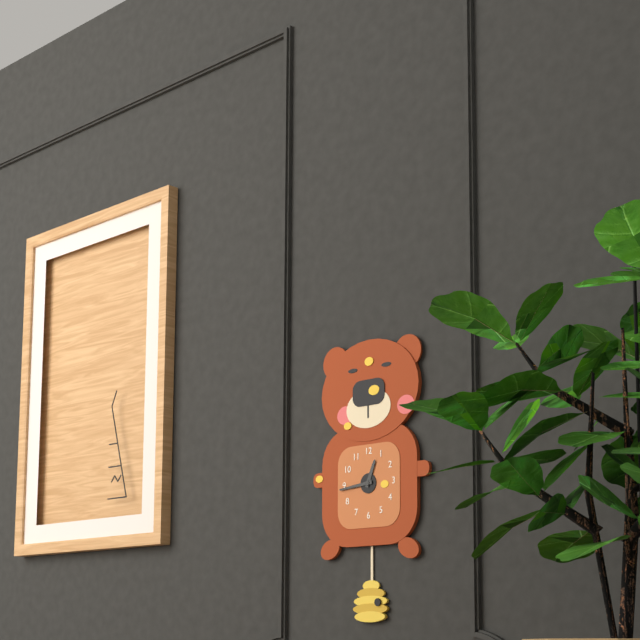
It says 12:44
